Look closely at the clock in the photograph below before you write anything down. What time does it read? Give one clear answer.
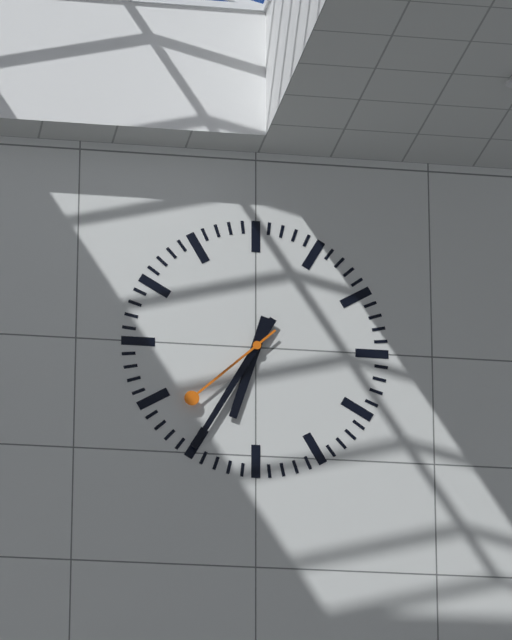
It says 6:35:38
